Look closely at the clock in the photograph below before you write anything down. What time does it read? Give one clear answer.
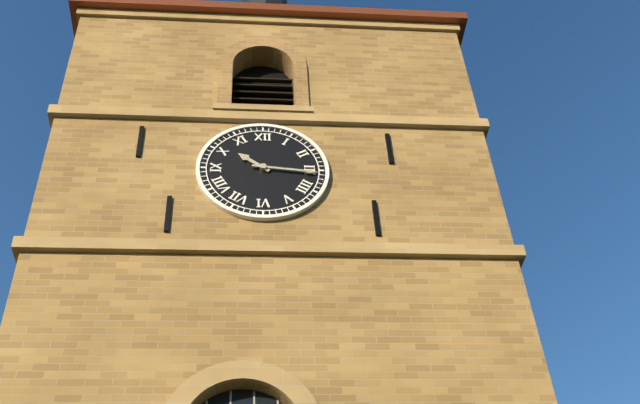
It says 10:16
